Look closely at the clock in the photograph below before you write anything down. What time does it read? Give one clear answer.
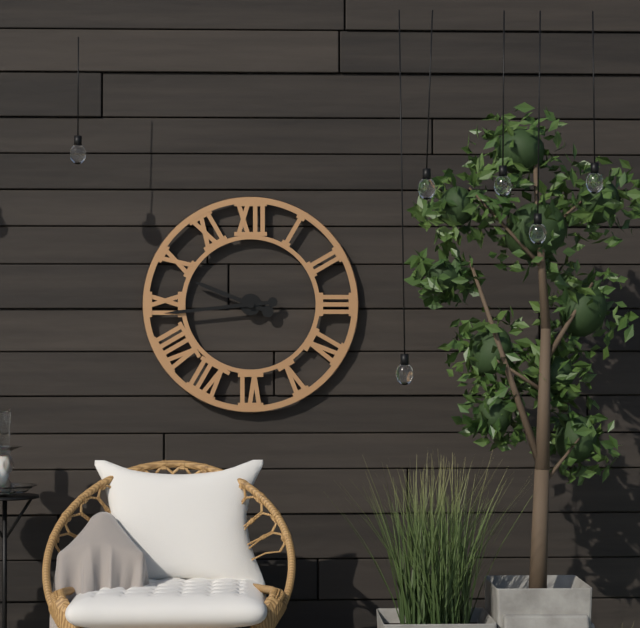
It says 9:44
